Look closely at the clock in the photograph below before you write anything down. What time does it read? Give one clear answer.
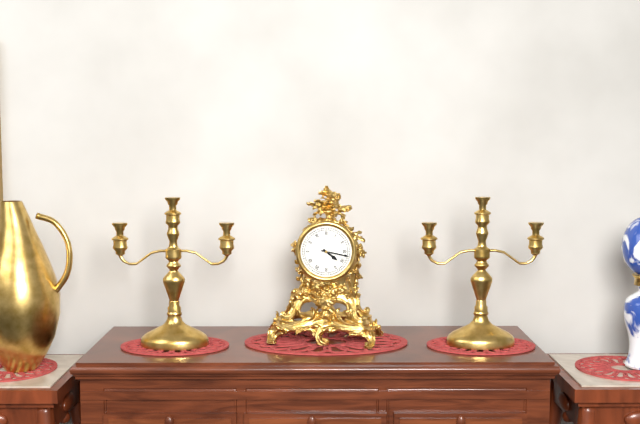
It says 4:17
